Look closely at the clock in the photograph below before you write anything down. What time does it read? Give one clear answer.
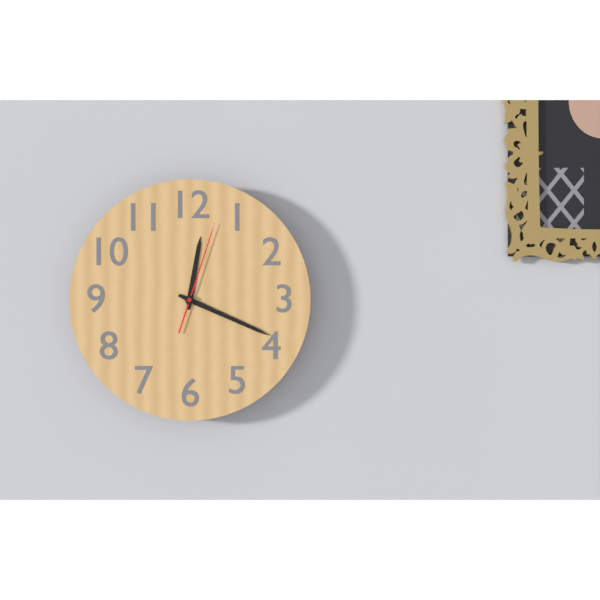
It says 12:19:03
